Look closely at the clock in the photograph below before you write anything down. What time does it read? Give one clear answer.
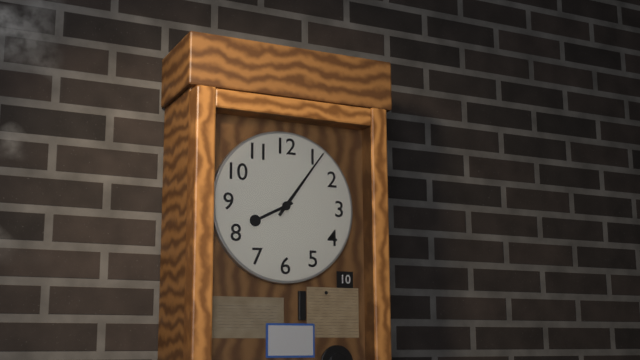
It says 8:06
